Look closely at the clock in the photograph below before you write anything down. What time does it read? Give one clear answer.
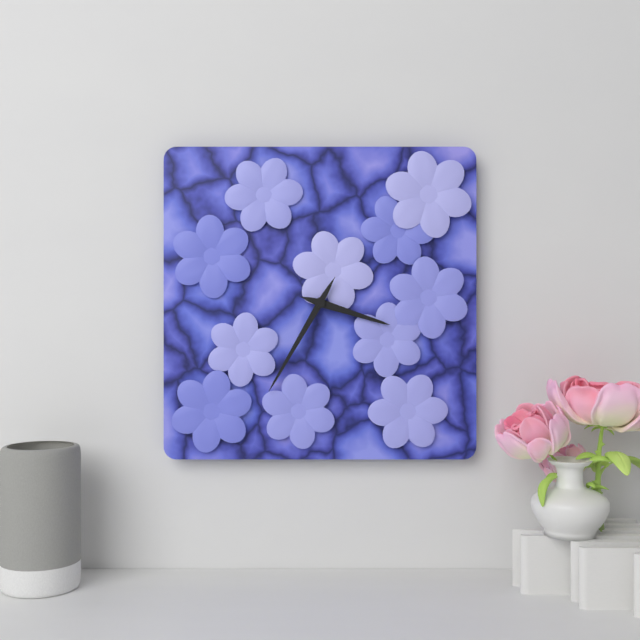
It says 3:35
